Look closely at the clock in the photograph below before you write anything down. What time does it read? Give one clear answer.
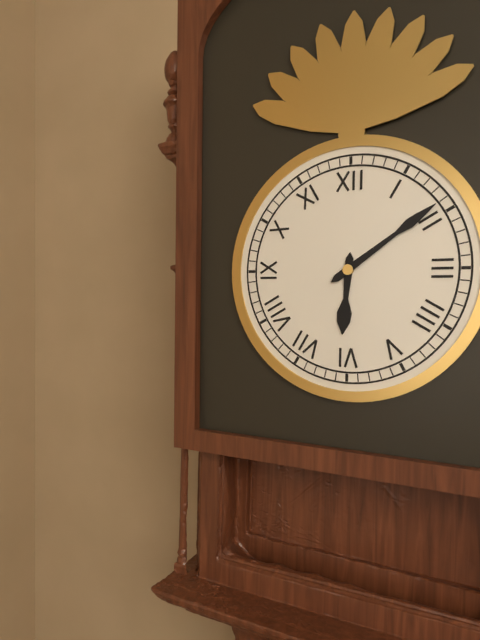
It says 6:09
